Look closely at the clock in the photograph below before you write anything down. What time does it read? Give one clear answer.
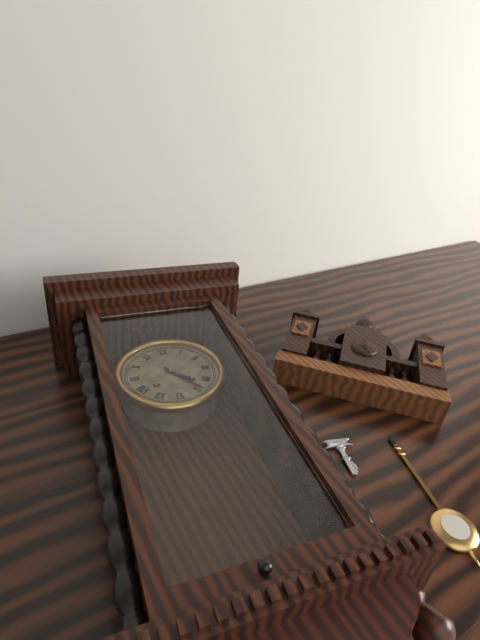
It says 4:24
